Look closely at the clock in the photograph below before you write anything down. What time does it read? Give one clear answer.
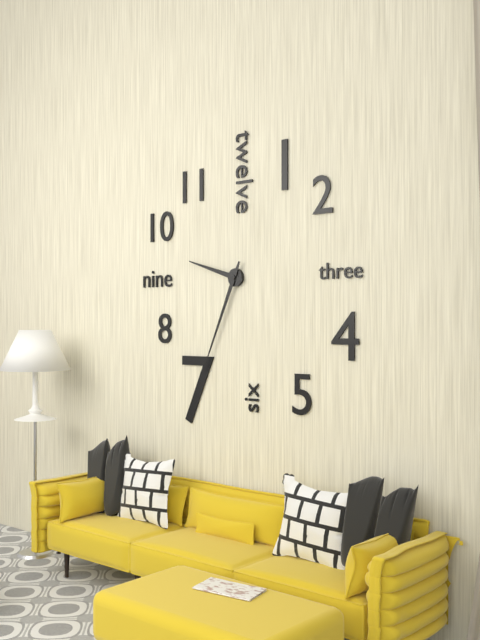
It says 9:34
